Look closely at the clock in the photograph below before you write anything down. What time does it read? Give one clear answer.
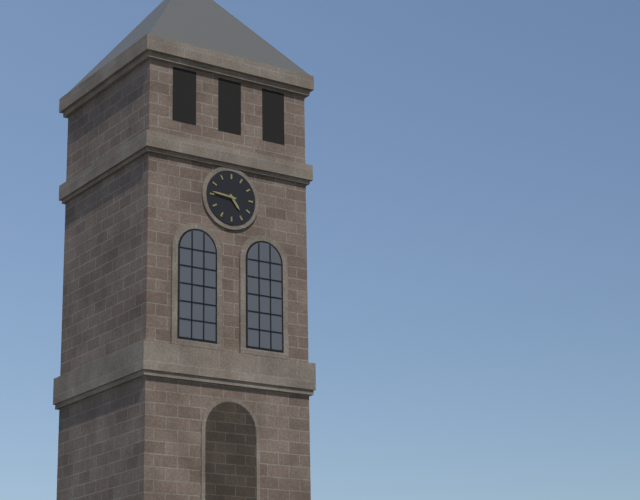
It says 4:46
